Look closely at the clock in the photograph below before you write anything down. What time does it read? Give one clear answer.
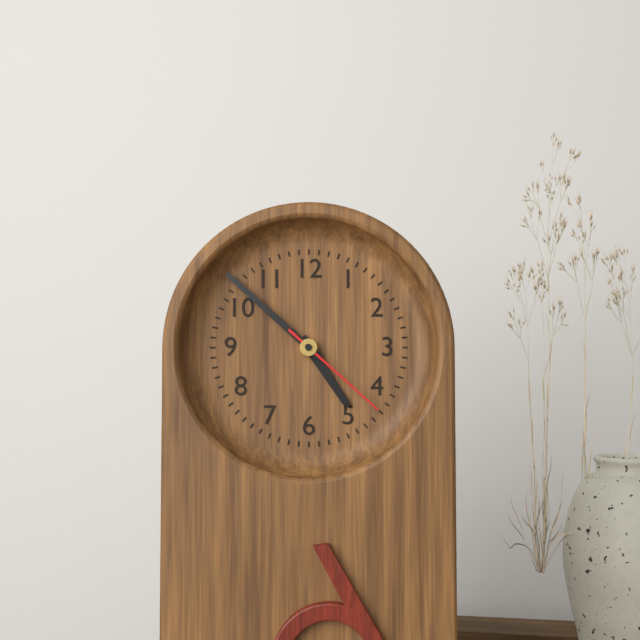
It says 4:52:22
